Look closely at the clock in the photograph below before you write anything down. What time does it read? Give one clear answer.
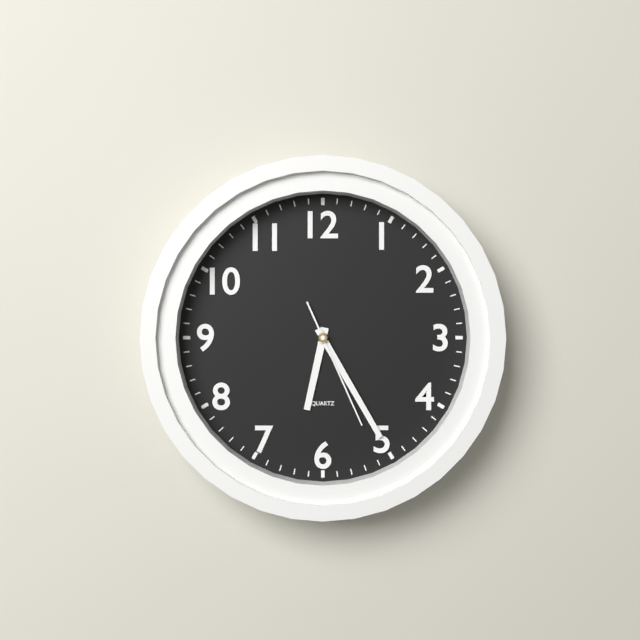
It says 6:25:26
